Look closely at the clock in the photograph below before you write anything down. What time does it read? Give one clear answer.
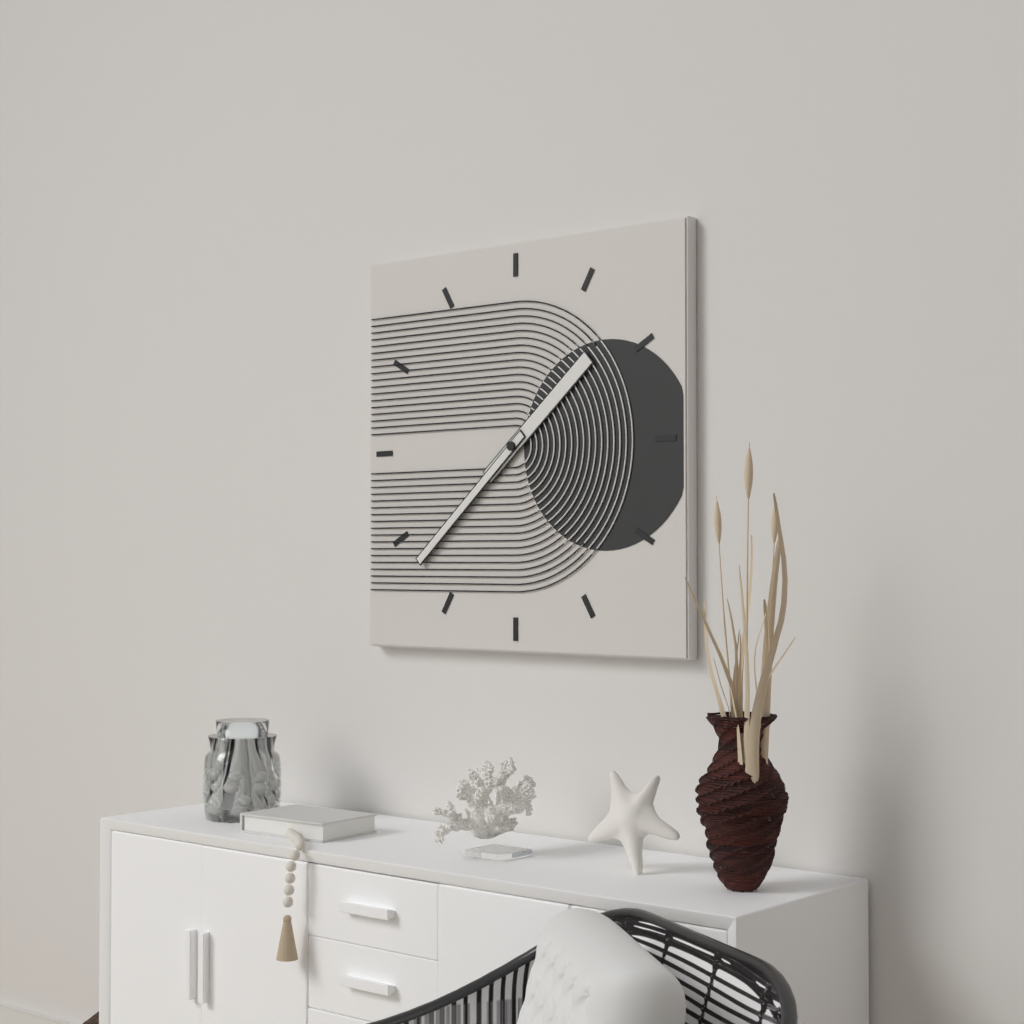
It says 1:38
